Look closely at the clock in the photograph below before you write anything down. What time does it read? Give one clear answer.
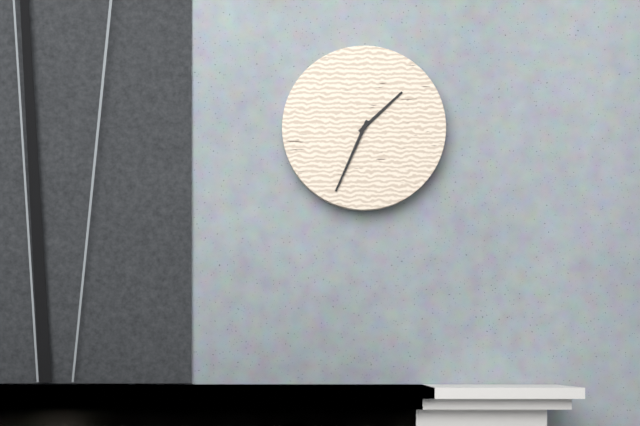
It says 1:34
